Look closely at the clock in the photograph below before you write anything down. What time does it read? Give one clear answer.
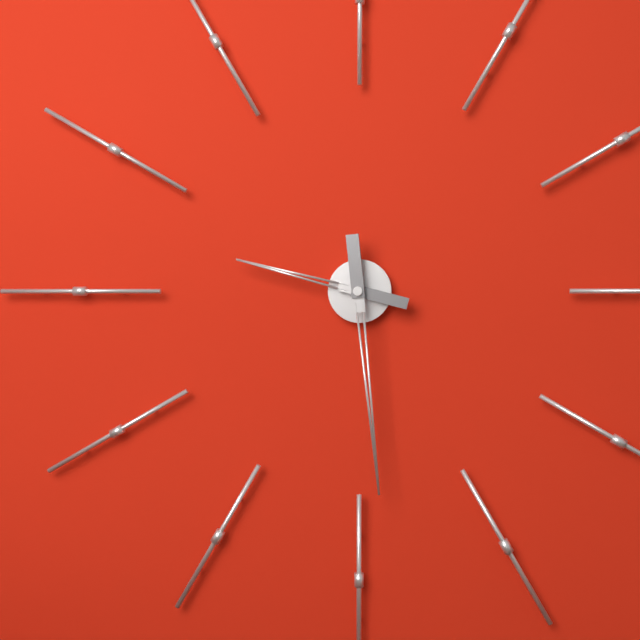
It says 9:29
